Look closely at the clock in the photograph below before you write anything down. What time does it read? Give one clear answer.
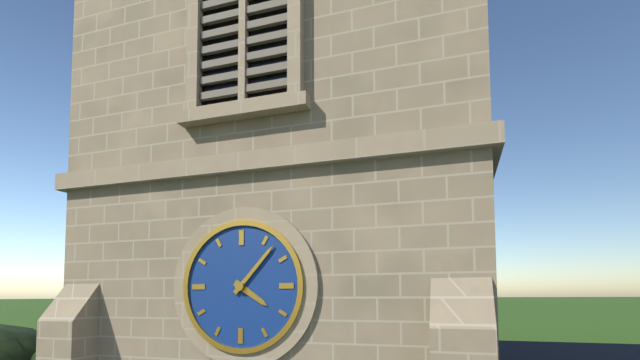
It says 4:07
